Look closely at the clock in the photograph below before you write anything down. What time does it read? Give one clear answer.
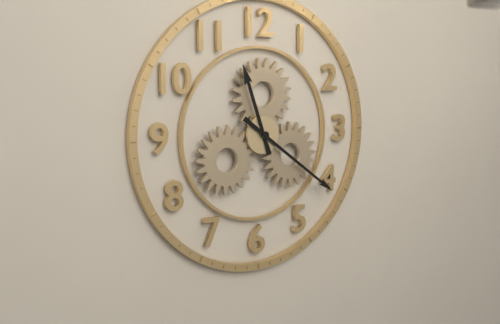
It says 11:21
